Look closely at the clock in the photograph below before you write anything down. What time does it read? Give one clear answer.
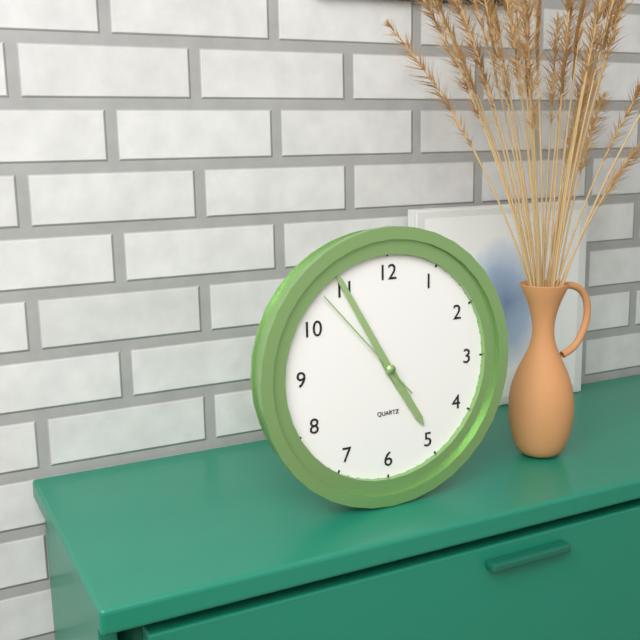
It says 4:55:53
